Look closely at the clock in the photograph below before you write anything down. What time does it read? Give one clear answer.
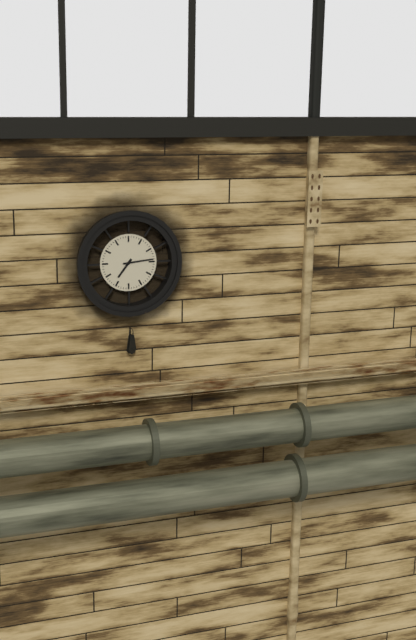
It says 7:14
